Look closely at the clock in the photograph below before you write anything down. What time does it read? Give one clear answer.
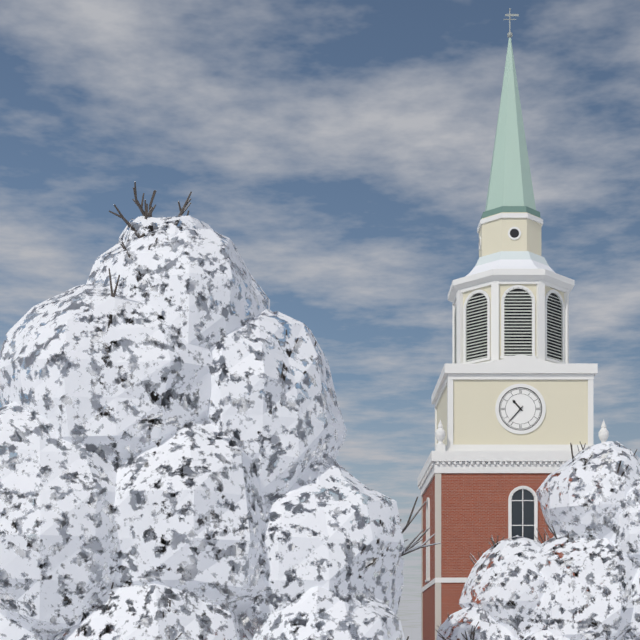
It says 10:37
